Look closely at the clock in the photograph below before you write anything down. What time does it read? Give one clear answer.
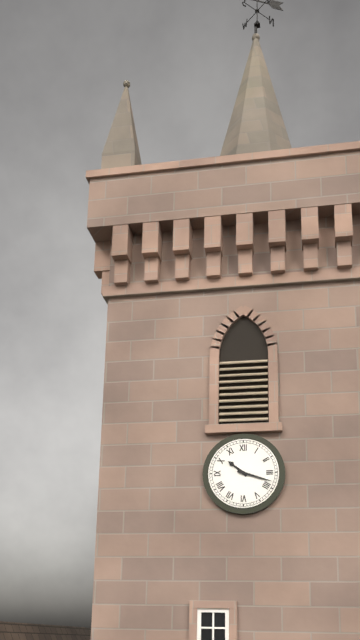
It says 10:18
